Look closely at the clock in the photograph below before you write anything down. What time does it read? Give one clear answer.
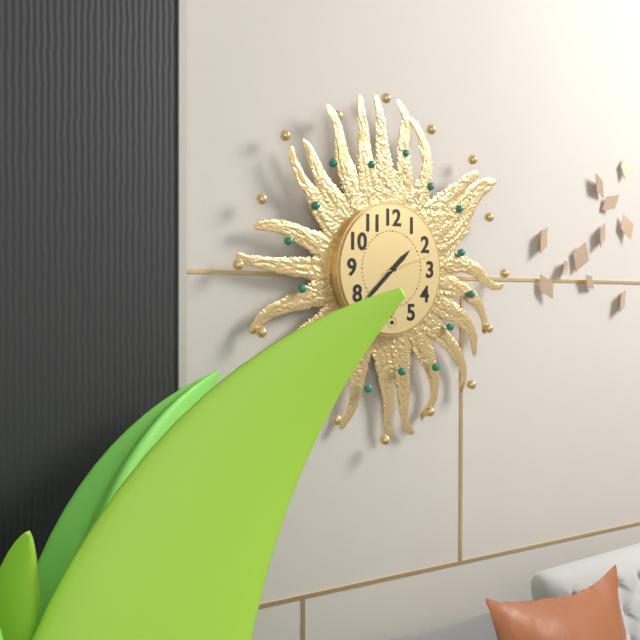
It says 1:38
